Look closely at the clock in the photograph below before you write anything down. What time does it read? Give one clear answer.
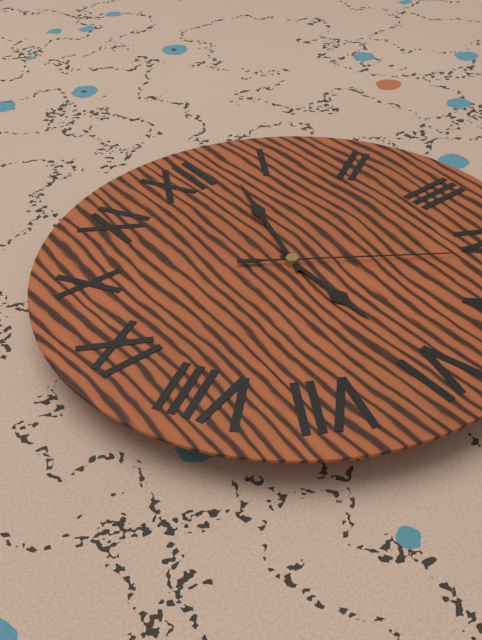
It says 6:03:21
